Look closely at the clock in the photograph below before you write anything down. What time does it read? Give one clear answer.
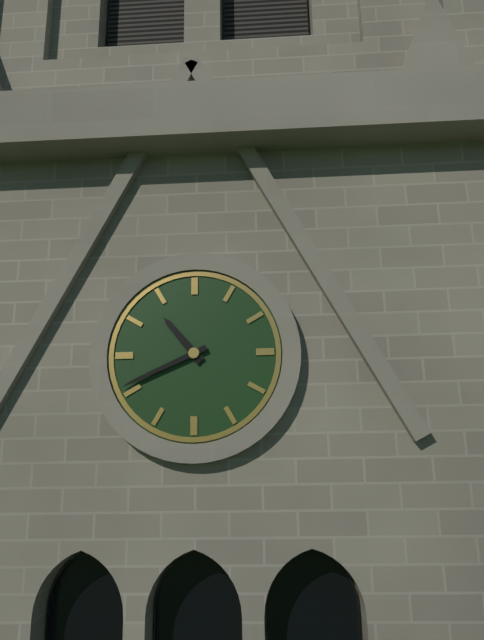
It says 10:41
